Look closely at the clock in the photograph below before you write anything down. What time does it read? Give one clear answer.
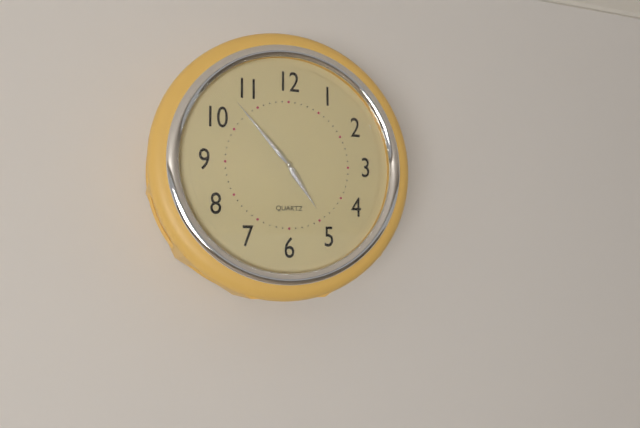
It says 4:53
